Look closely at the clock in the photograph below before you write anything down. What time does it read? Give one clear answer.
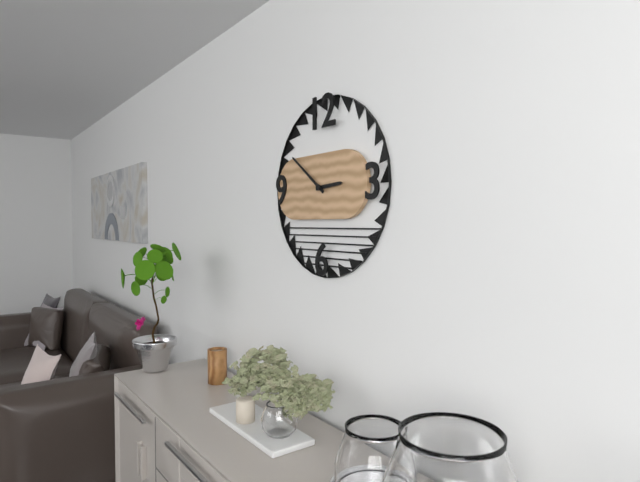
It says 2:51
